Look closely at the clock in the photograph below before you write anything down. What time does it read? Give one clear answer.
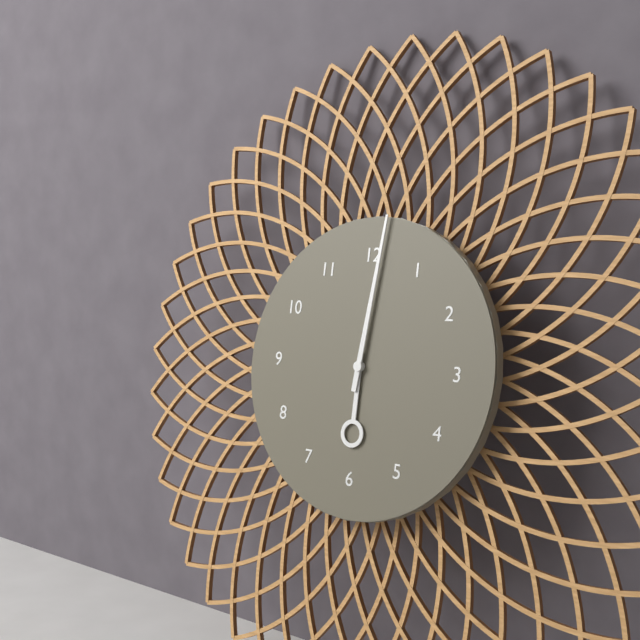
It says 6:01
